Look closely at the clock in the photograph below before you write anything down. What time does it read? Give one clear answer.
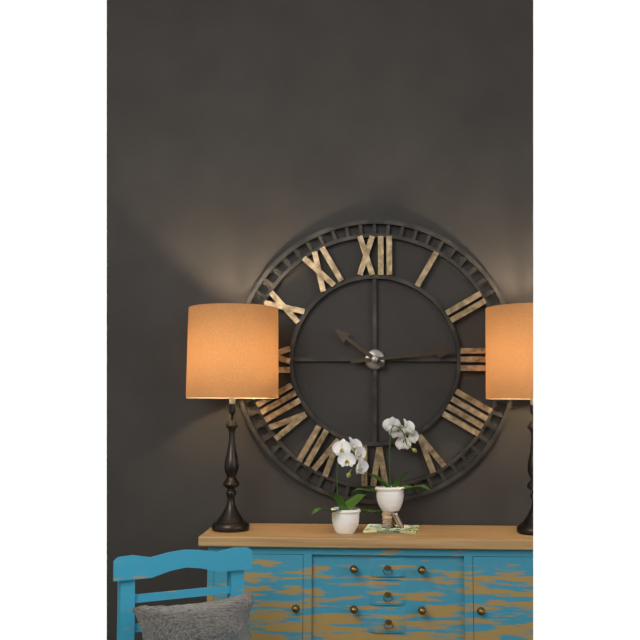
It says 10:14
